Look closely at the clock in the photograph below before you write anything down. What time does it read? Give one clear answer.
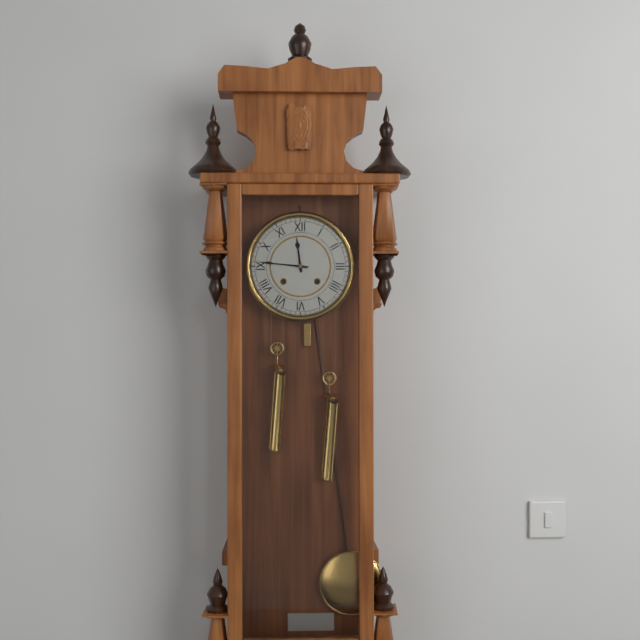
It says 11:46
